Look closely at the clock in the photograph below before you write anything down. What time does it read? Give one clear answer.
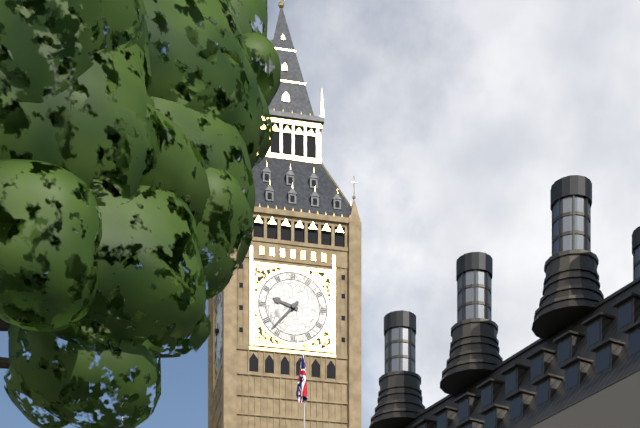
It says 9:37
